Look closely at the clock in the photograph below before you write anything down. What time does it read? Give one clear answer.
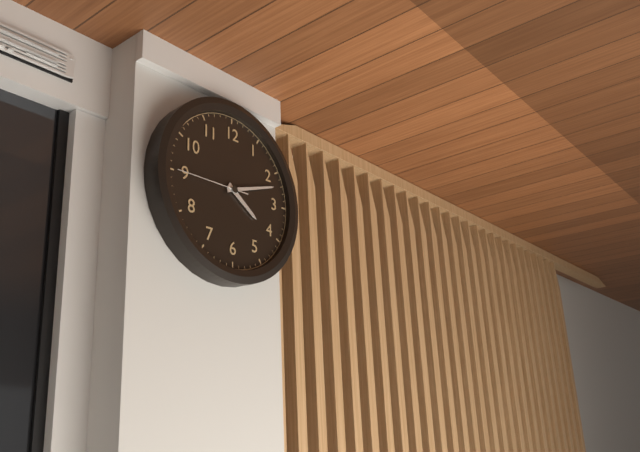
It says 4:12:45
